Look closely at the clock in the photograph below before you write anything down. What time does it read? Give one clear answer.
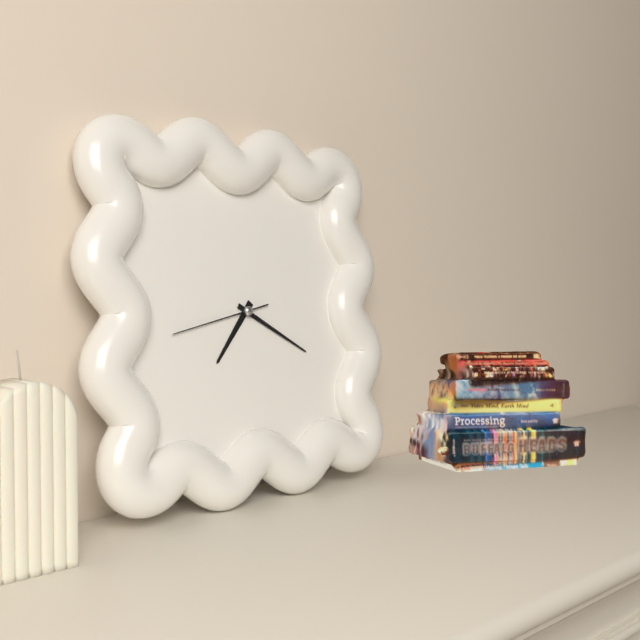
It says 7:20:43
